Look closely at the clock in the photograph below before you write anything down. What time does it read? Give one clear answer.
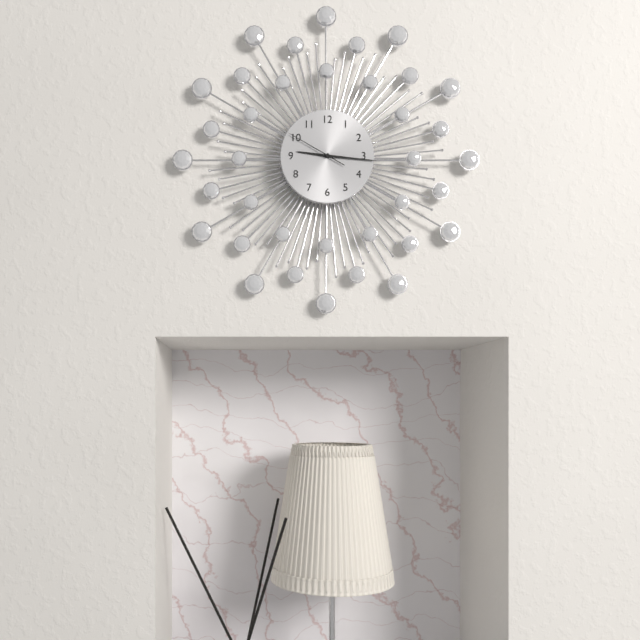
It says 9:16:50
